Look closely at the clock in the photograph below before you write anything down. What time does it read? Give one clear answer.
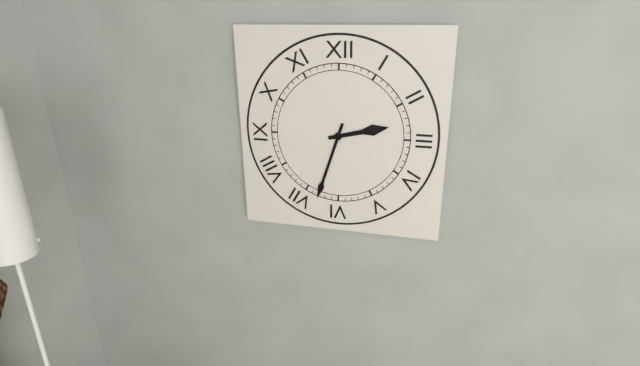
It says 2:33
